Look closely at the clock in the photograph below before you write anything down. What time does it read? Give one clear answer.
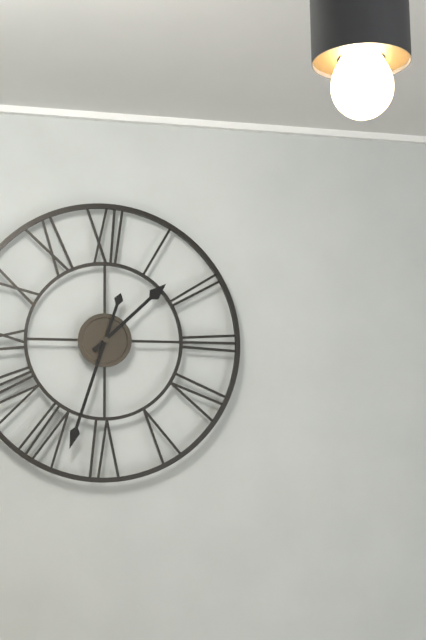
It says 1:33
